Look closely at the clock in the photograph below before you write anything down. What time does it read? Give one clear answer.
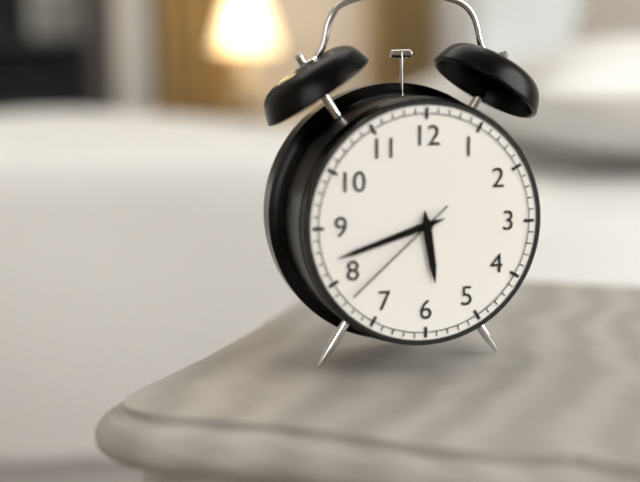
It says 5:42:38
